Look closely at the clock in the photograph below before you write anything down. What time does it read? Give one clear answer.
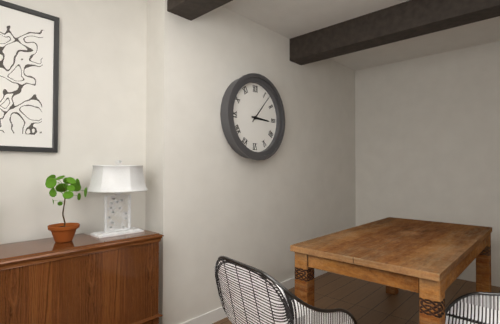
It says 3:07
